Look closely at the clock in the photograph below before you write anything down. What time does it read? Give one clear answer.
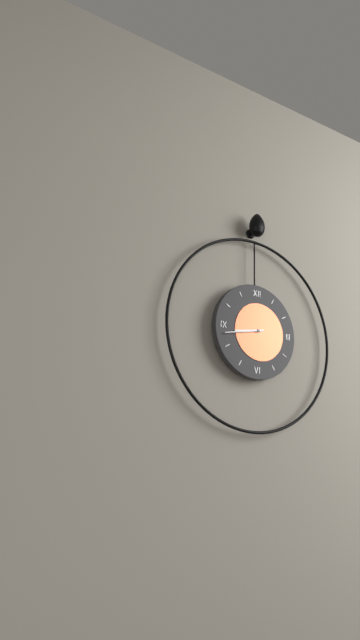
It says 8:43
